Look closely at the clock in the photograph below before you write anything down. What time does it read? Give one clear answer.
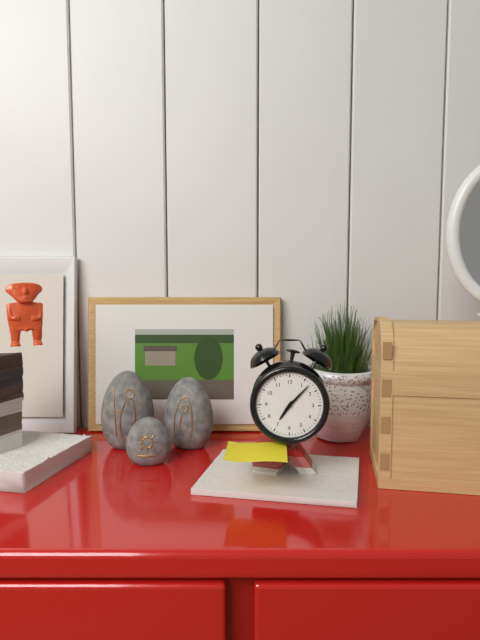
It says 7:07
